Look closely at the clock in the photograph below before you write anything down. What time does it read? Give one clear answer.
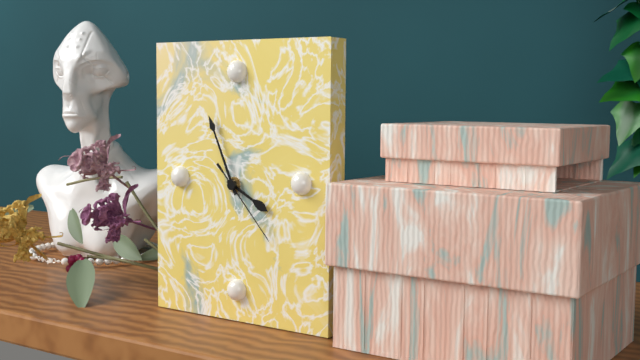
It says 3:56:23
